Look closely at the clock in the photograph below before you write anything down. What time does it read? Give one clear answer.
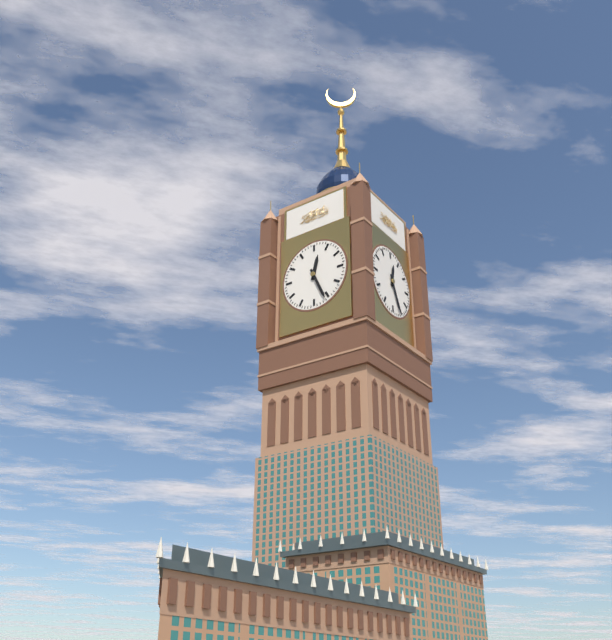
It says 12:26
